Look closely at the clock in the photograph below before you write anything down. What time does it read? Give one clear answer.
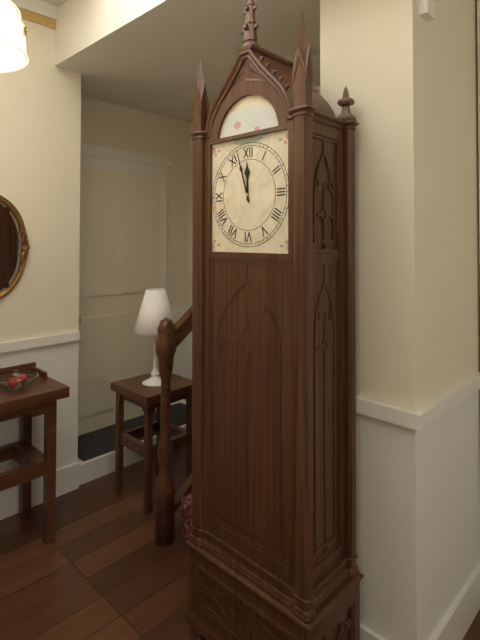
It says 11:57
